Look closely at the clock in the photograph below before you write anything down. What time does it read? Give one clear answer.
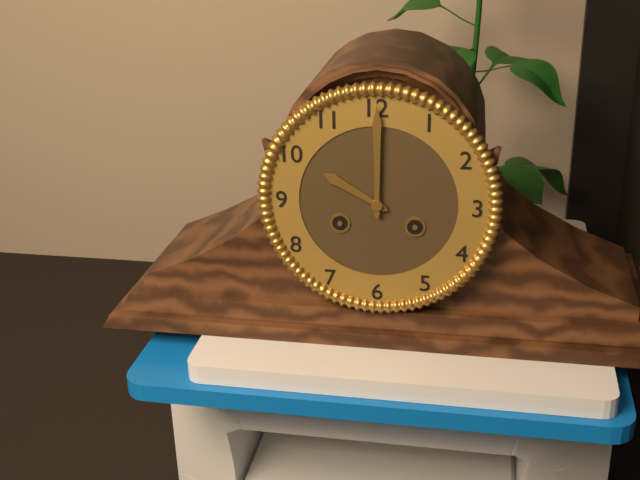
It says 10:00
